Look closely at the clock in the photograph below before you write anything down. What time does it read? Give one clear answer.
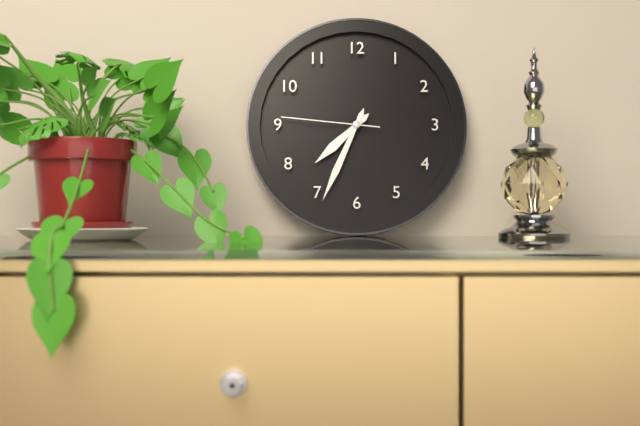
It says 7:34:46
